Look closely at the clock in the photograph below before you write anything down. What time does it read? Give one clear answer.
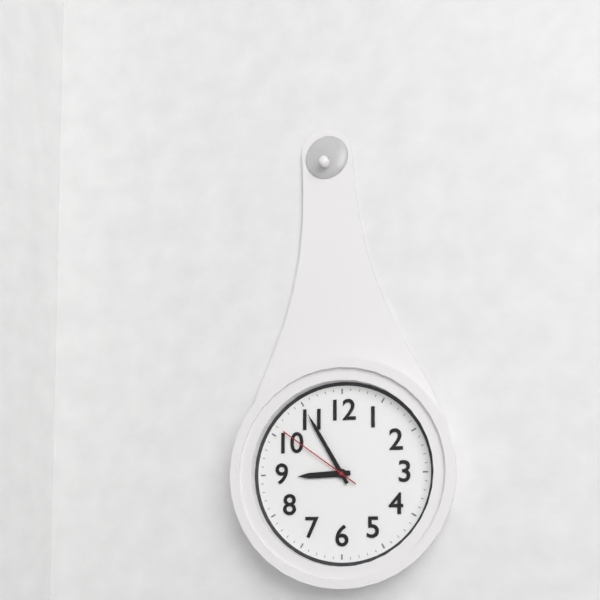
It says 8:55:51
